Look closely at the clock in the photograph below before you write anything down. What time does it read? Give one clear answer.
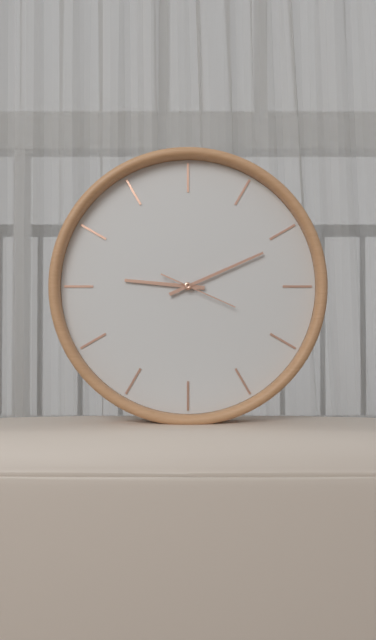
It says 9:11:19
